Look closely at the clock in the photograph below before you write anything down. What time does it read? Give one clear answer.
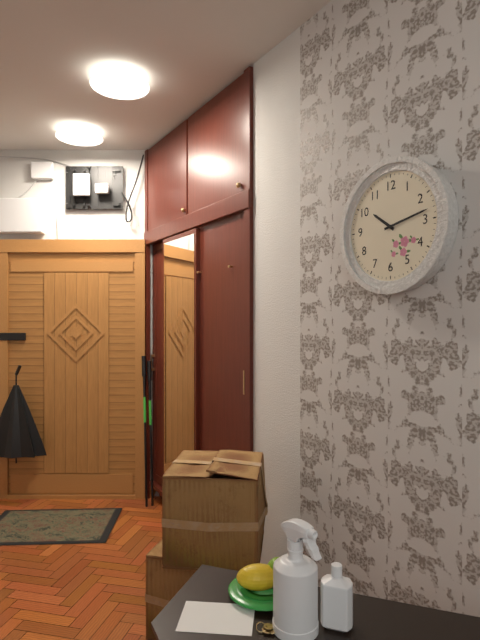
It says 10:13
